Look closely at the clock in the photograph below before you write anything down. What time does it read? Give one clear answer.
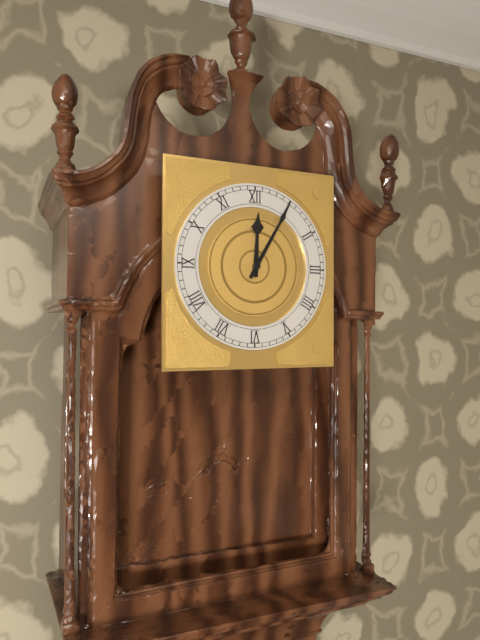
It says 12:05
